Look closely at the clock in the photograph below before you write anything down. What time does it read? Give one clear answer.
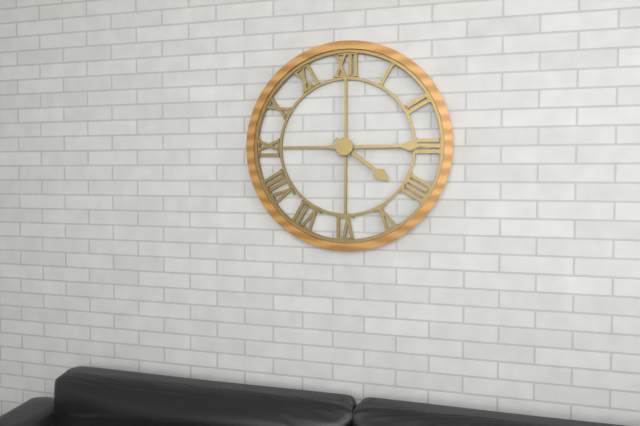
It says 4:15
